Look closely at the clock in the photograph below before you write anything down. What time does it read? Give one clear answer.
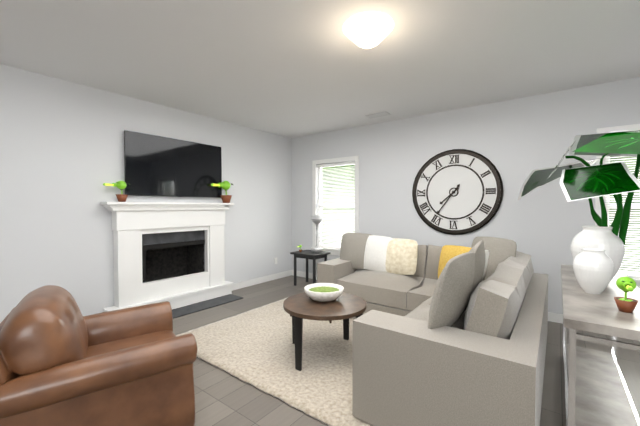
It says 7:36
